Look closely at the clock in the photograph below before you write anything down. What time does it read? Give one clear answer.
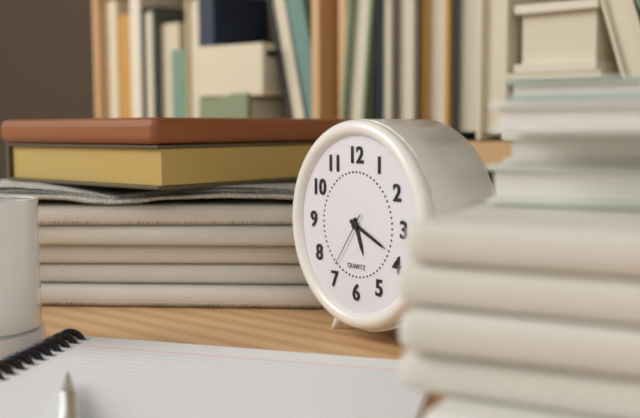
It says 5:19:36
